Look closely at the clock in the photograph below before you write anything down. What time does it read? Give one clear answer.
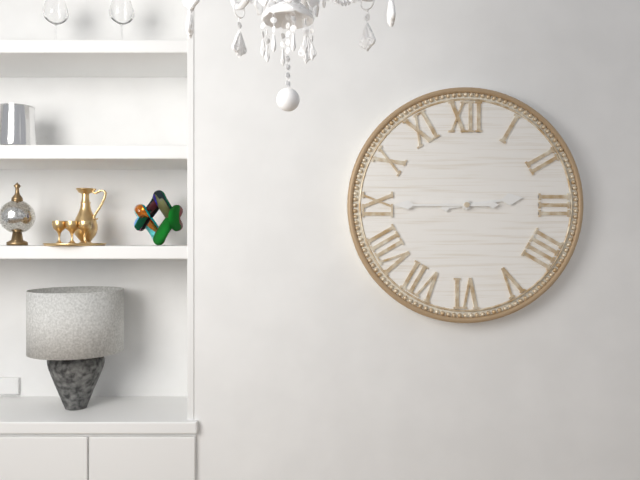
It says 2:45
